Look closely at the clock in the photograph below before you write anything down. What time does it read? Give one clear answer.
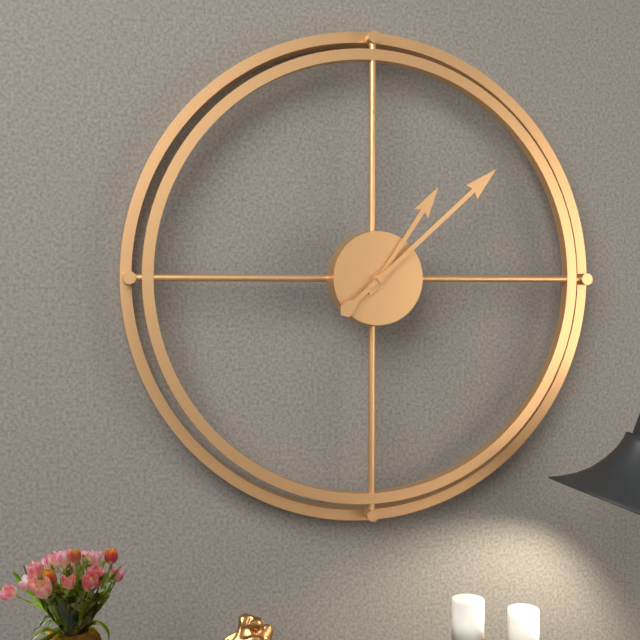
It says 1:08
